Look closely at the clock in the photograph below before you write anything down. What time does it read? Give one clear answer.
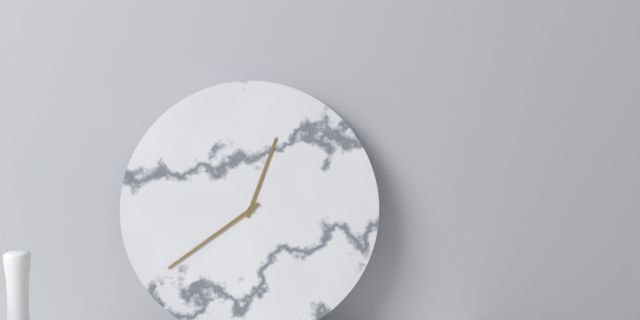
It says 12:39
